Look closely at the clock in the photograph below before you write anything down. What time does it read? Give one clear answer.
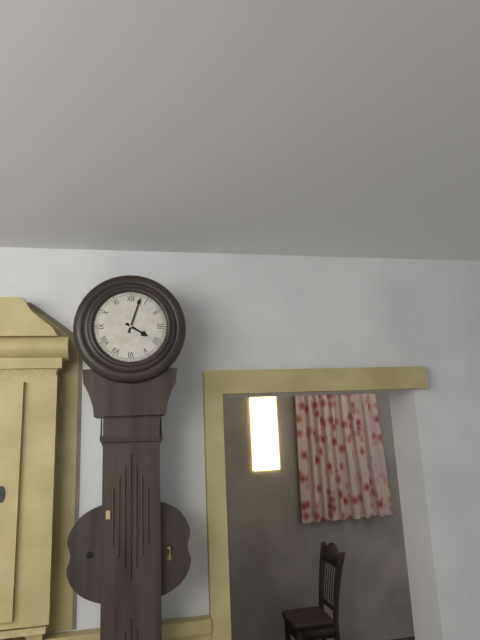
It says 4:03
